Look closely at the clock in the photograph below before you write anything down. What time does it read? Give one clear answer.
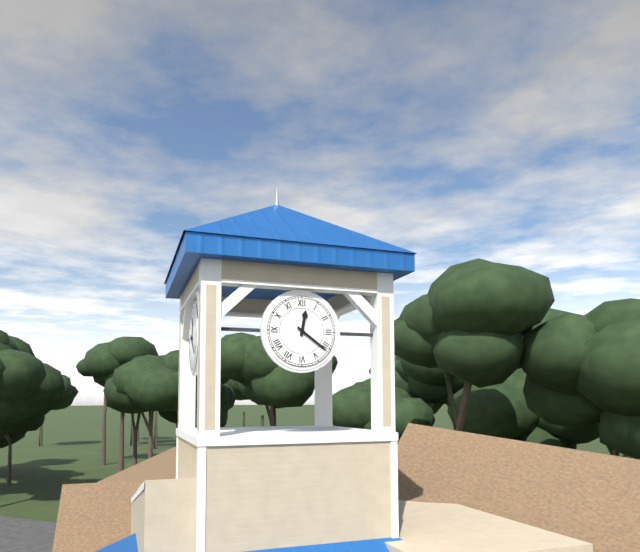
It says 12:21
